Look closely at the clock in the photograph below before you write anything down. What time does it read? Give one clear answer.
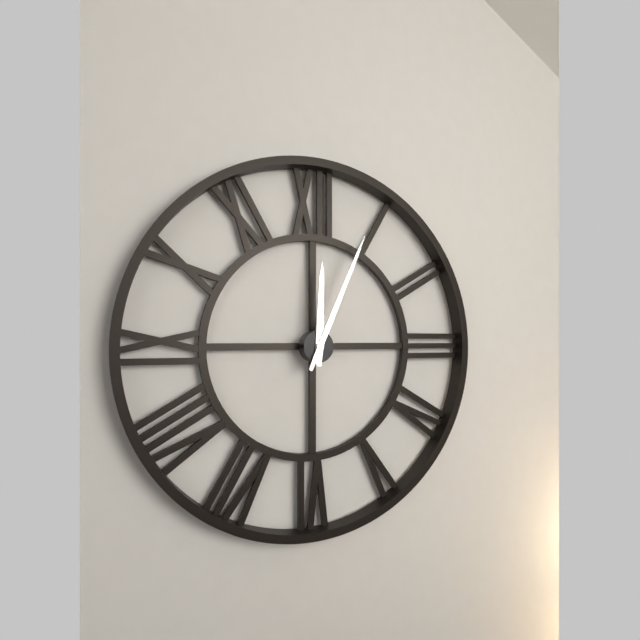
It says 12:04
